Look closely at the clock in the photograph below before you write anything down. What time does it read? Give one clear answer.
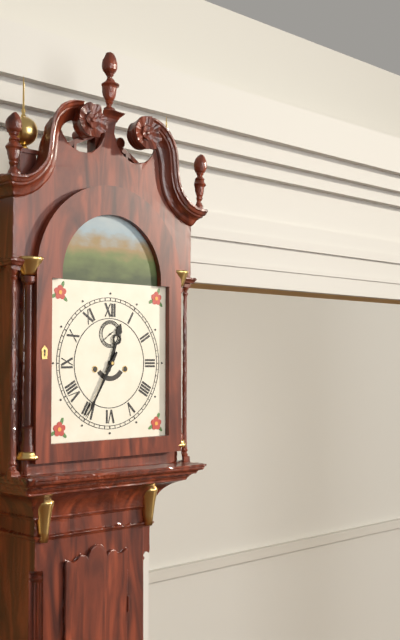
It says 12:35
